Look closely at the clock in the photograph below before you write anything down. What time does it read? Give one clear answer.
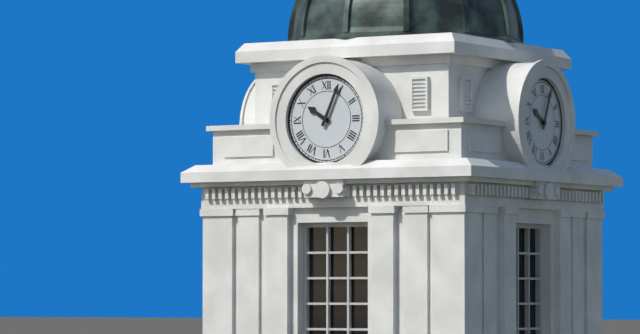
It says 10:04
